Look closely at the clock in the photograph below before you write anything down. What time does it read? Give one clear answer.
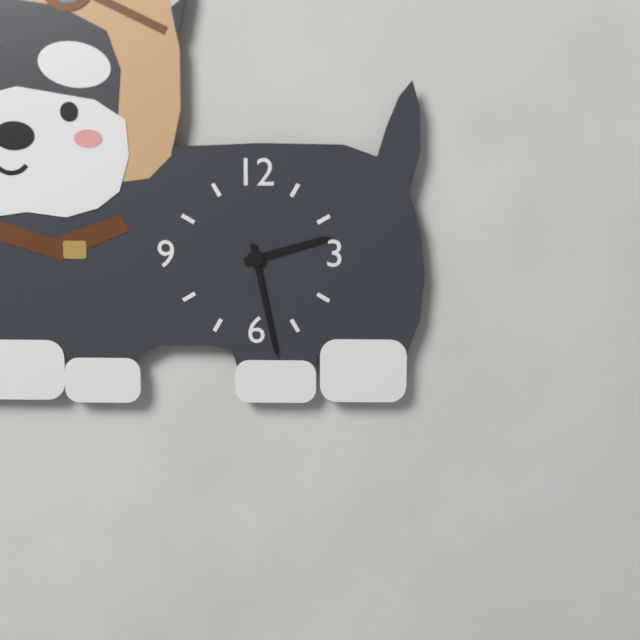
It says 2:28
